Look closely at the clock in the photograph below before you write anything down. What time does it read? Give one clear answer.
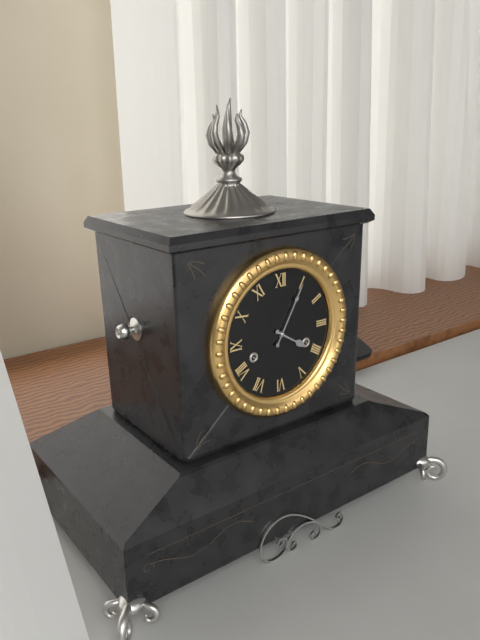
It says 4:05
